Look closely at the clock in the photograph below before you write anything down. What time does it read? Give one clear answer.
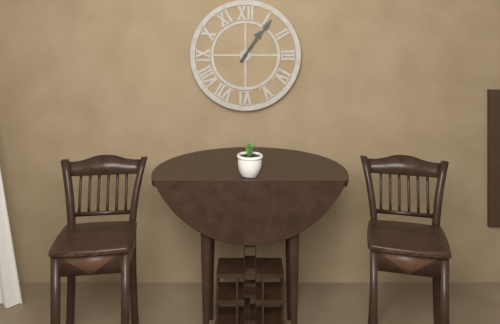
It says 1:06
